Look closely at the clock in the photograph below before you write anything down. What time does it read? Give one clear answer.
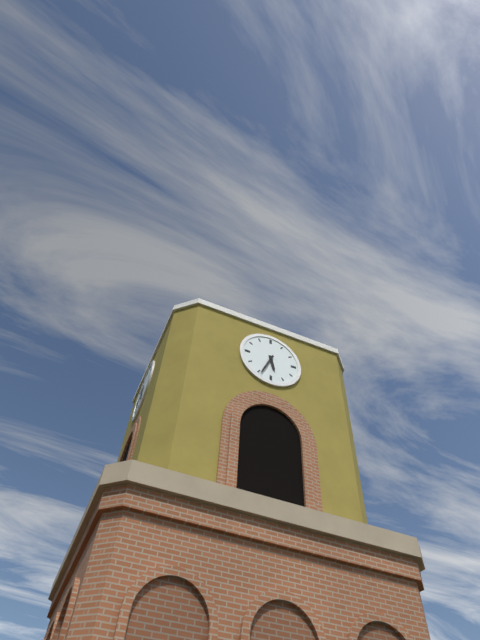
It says 5:34
